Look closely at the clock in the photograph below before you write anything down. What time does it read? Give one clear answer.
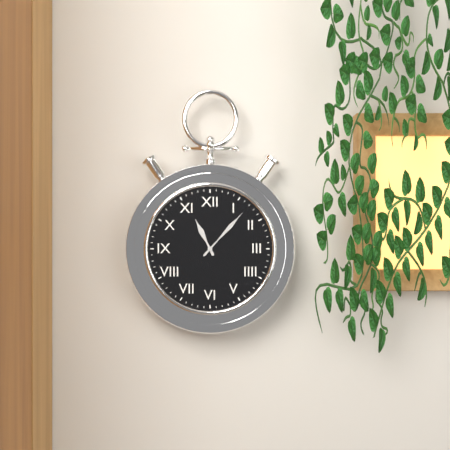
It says 11:07
